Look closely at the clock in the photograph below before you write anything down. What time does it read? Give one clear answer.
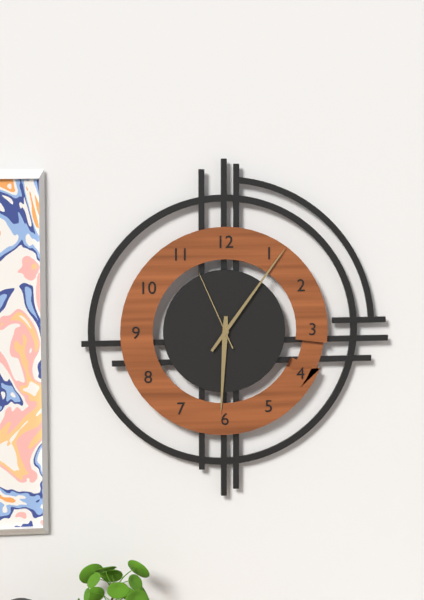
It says 6:06:56
